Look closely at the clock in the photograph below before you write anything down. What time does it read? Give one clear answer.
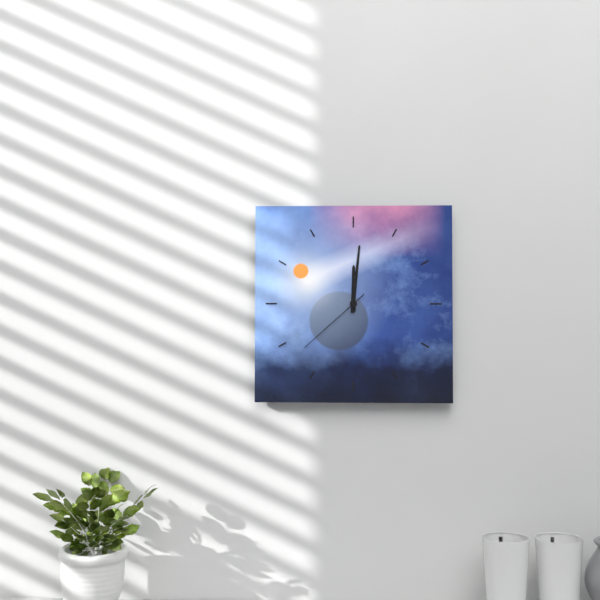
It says 12:01:38
